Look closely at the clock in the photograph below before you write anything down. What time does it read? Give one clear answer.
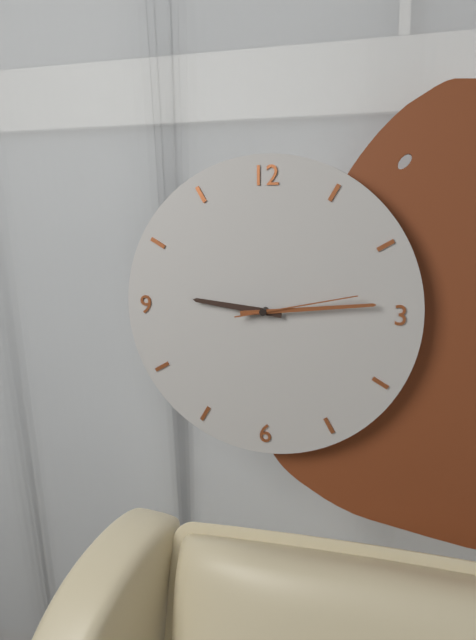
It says 9:14:13
